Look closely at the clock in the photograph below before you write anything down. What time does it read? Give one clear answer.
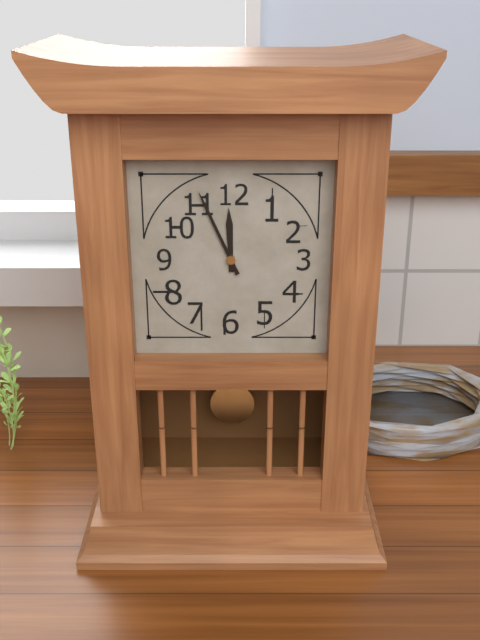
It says 11:56
